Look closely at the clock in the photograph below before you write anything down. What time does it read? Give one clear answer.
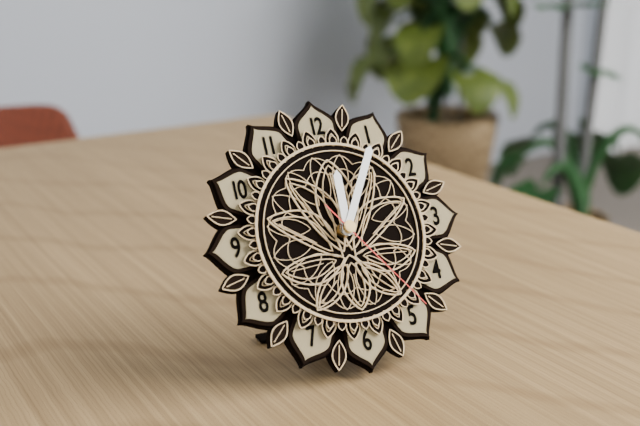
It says 12:05:24
